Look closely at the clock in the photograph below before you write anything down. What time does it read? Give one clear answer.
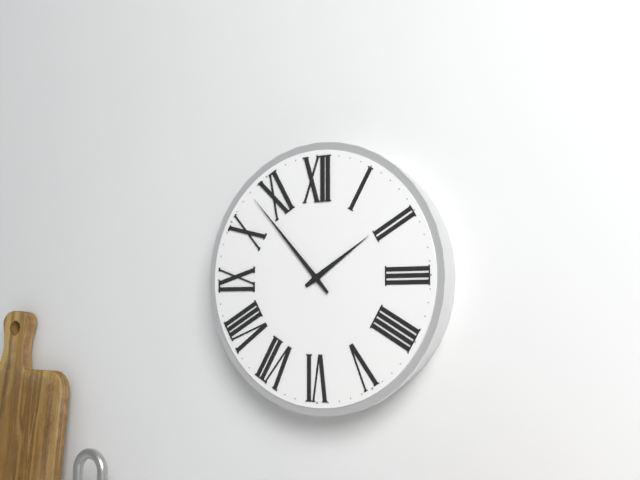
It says 1:53
